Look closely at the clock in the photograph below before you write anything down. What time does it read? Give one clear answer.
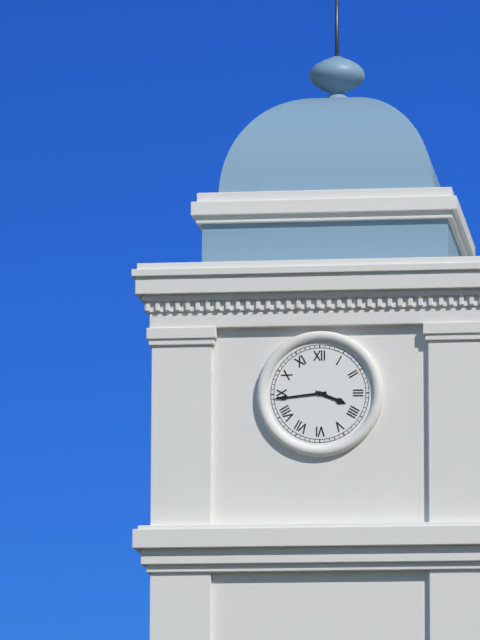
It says 3:44
